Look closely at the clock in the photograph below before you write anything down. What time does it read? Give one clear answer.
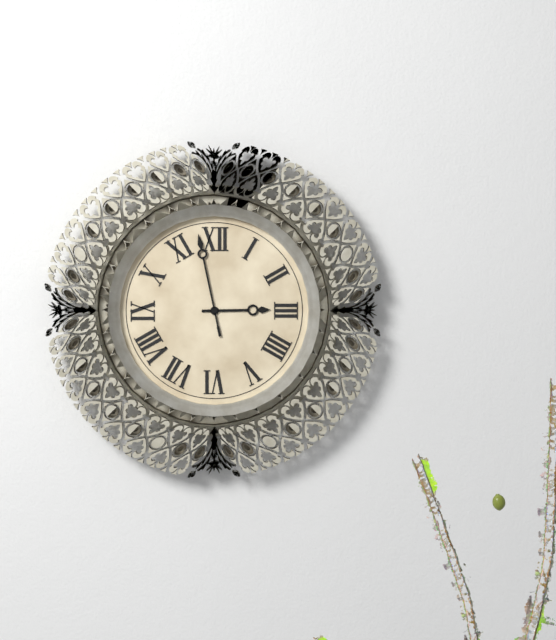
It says 2:58
